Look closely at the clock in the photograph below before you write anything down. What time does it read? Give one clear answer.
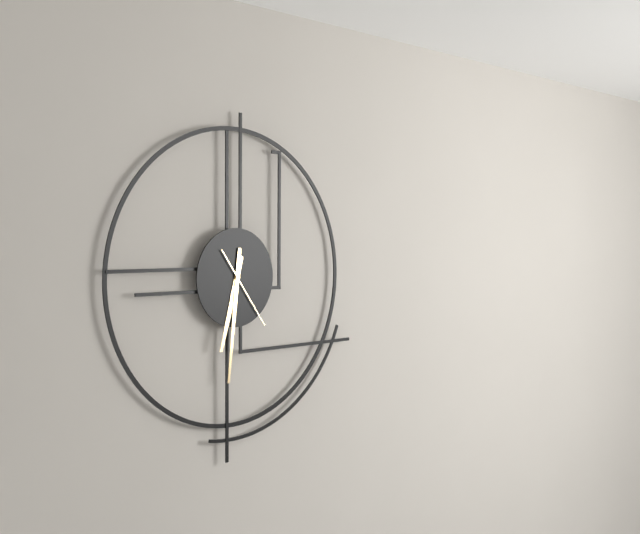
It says 6:31:24
